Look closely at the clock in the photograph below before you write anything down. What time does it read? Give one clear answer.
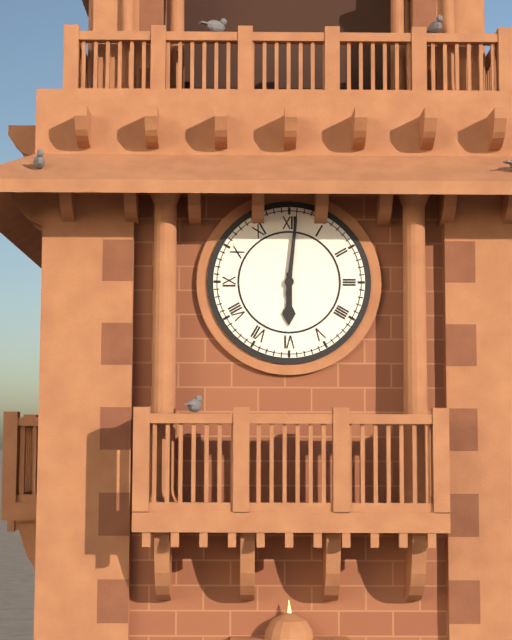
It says 6:01
